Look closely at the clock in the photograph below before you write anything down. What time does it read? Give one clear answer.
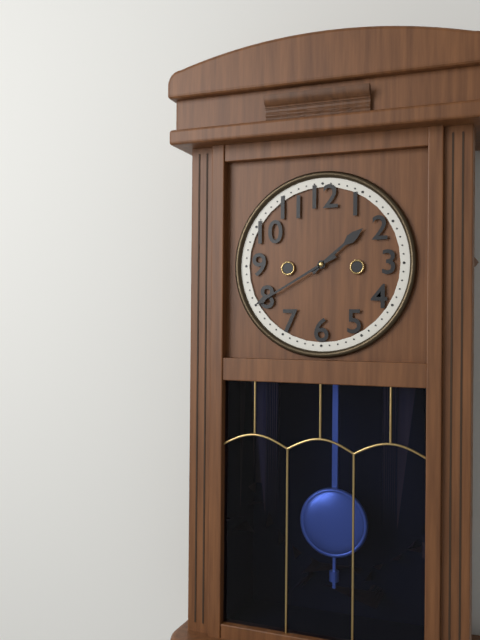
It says 1:40
